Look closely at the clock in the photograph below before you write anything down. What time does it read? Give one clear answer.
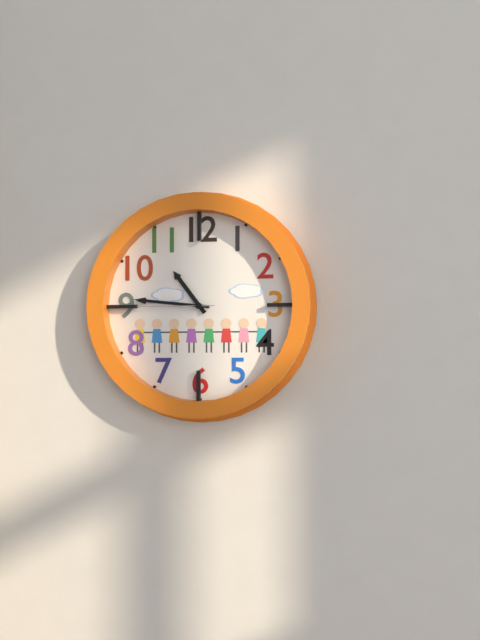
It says 10:46:45
